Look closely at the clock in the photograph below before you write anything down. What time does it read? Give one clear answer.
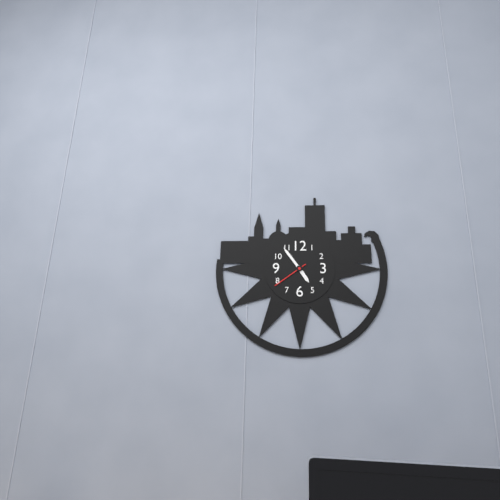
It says 4:54
